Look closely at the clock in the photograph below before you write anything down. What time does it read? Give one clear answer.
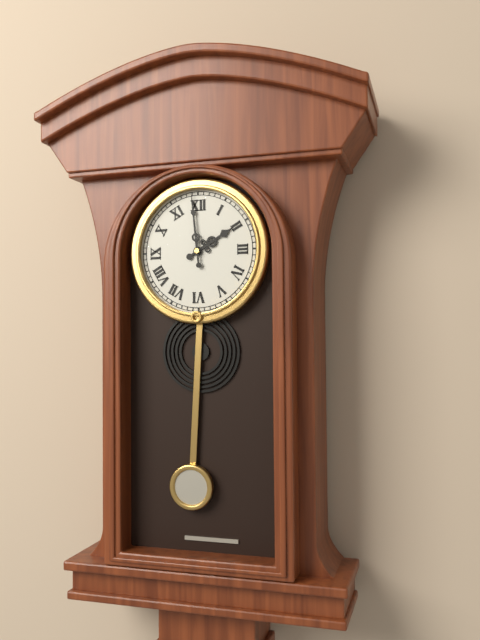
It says 1:59
